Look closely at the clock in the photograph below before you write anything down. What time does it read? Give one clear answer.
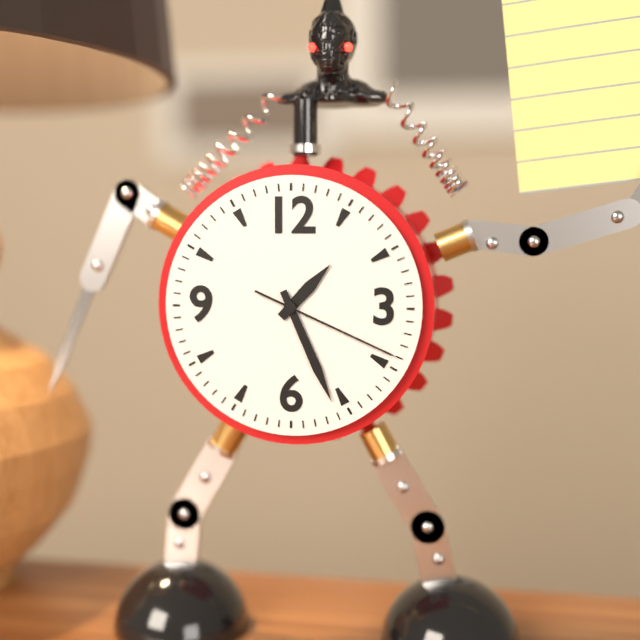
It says 1:26:19
